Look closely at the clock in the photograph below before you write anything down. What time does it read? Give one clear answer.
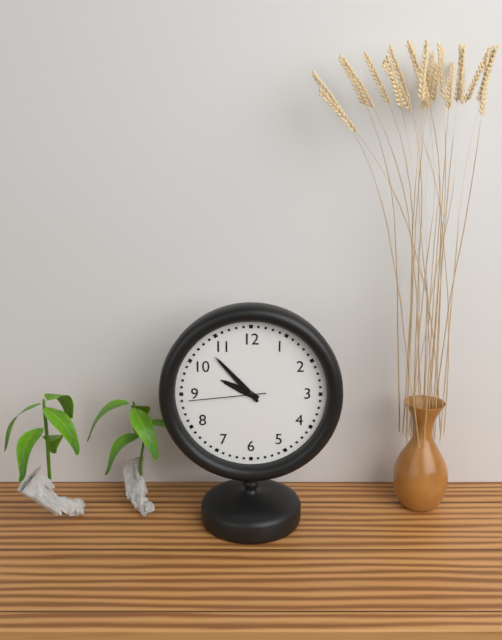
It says 9:53:44
